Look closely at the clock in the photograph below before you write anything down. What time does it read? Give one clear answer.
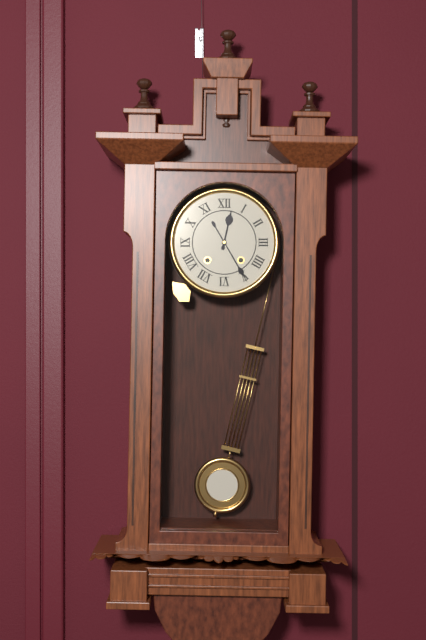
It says 12:25
